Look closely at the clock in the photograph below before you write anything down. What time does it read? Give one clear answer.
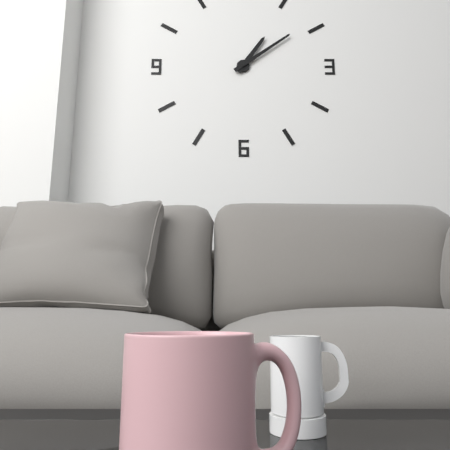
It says 1:09
